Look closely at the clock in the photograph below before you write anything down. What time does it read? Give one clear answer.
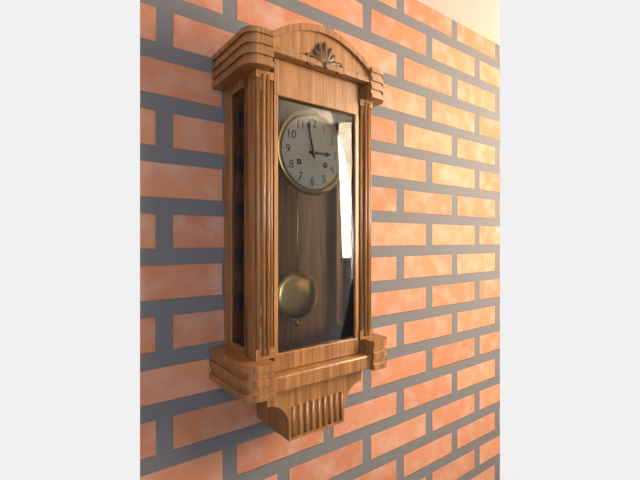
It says 2:58
